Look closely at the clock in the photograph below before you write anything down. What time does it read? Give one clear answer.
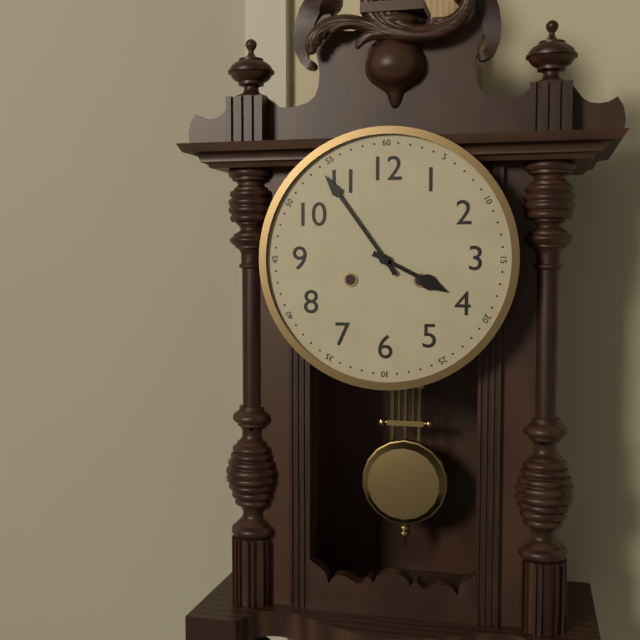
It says 3:54
